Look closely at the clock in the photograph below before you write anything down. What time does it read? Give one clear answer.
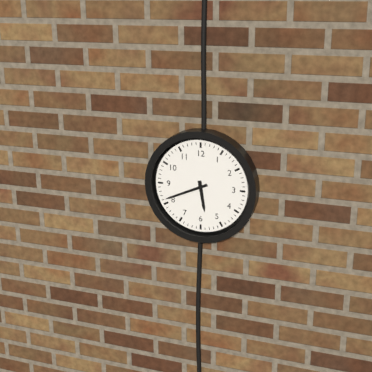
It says 5:41
